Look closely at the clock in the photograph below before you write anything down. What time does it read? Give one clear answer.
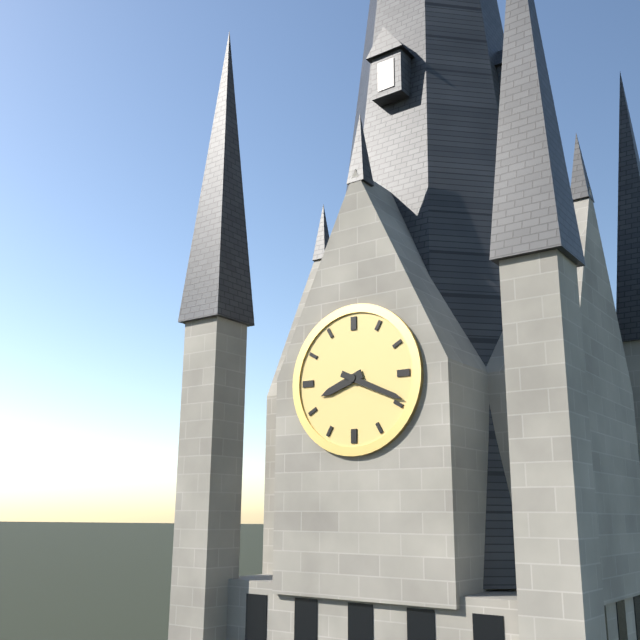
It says 8:19
